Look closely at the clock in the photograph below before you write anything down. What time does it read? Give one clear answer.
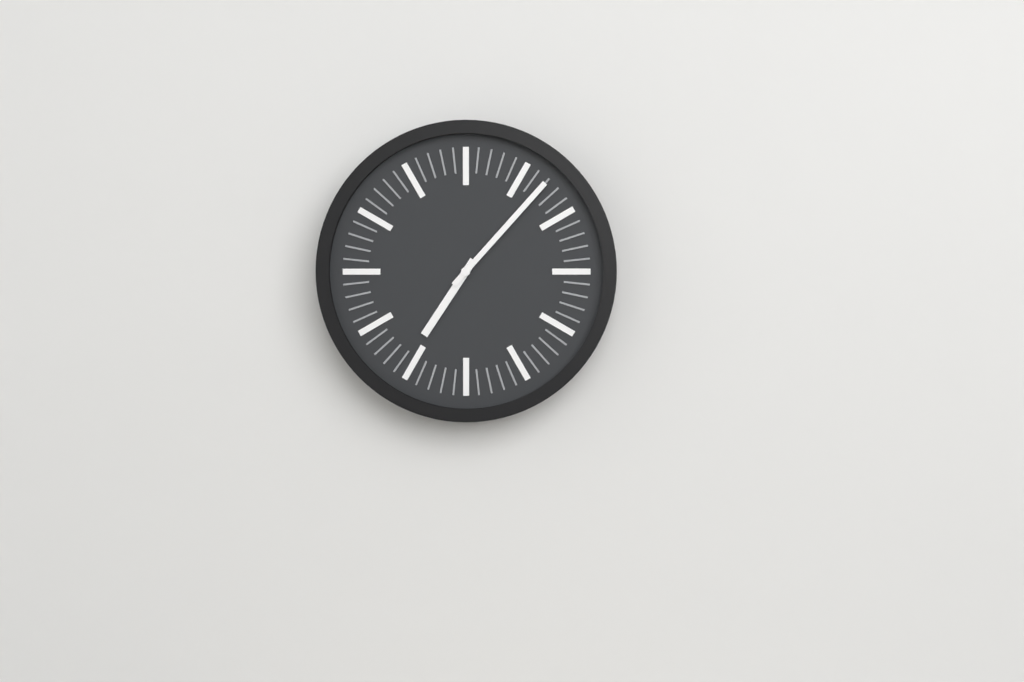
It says 7:07
